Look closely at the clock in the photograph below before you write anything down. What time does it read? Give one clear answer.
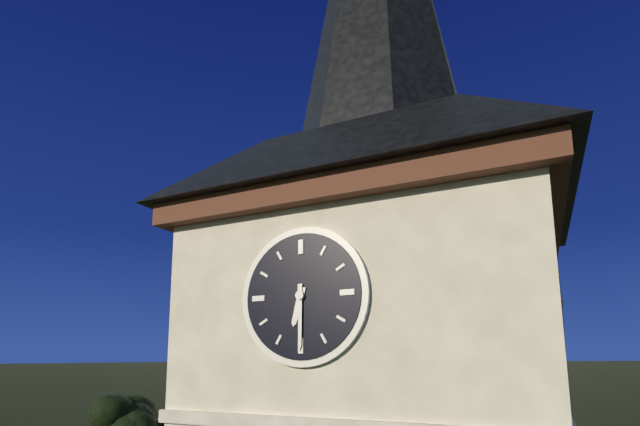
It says 6:30
